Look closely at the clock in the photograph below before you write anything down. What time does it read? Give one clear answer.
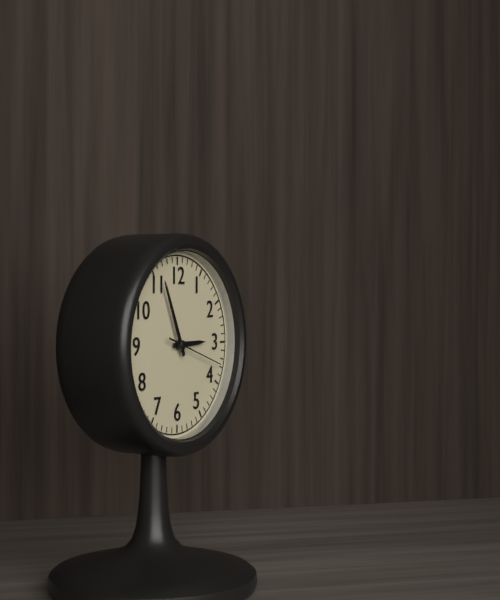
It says 2:56:18
